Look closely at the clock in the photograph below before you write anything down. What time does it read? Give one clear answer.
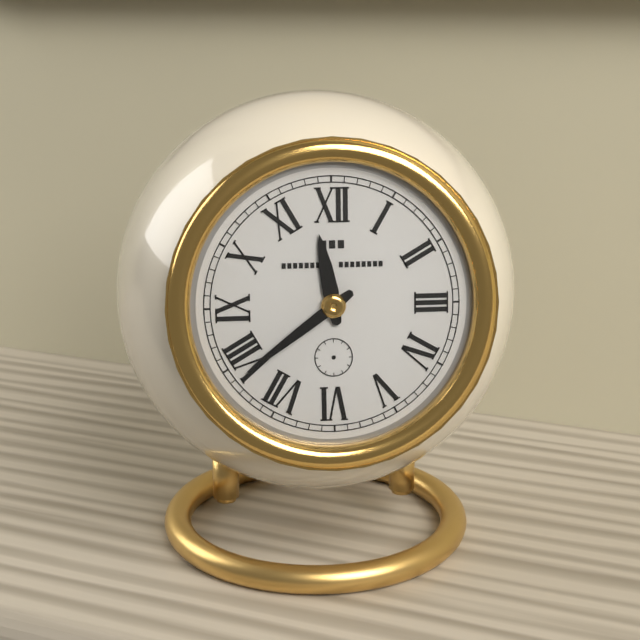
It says 11:39
